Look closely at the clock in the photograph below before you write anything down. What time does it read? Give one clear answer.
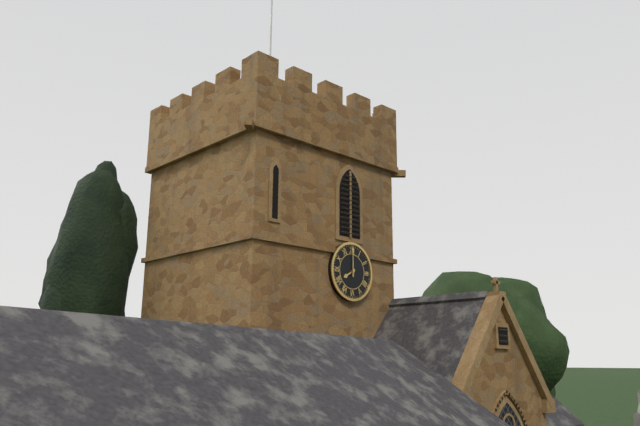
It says 8:00
